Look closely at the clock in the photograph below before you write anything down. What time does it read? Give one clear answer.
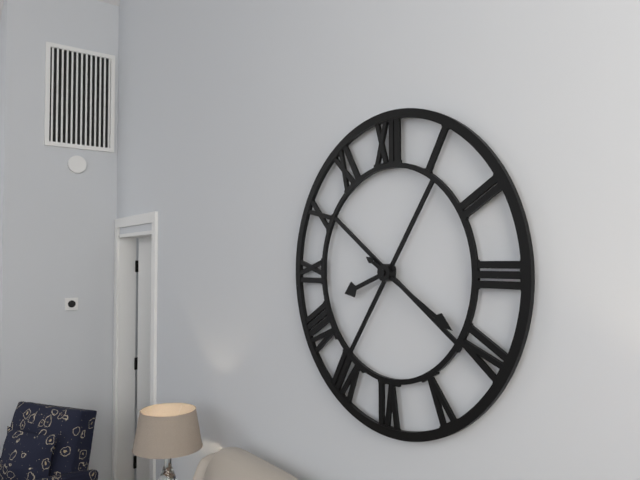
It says 8:20
